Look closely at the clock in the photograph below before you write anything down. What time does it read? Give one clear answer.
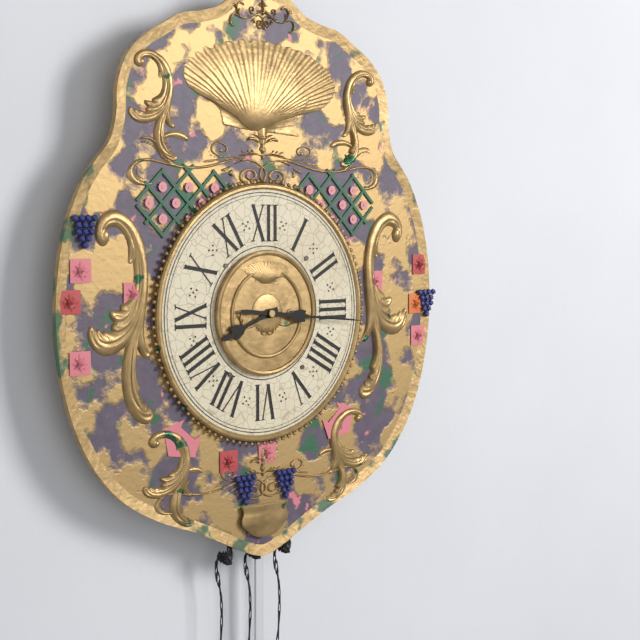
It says 8:16
